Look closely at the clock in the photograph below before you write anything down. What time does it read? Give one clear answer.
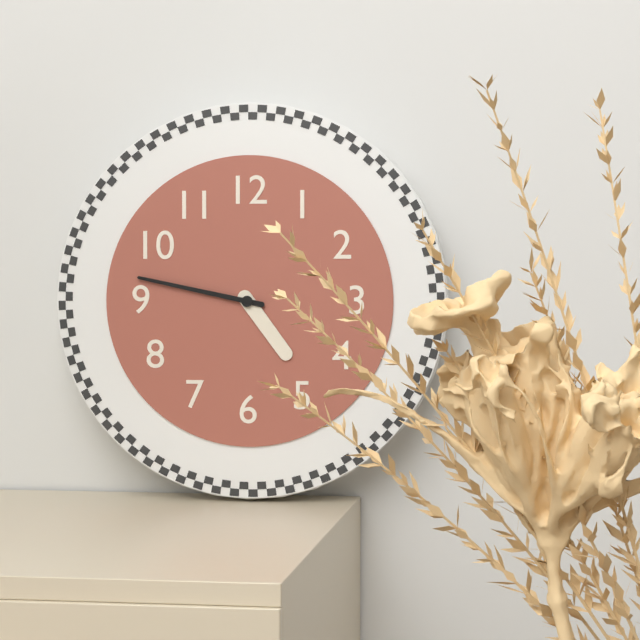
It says 4:47
